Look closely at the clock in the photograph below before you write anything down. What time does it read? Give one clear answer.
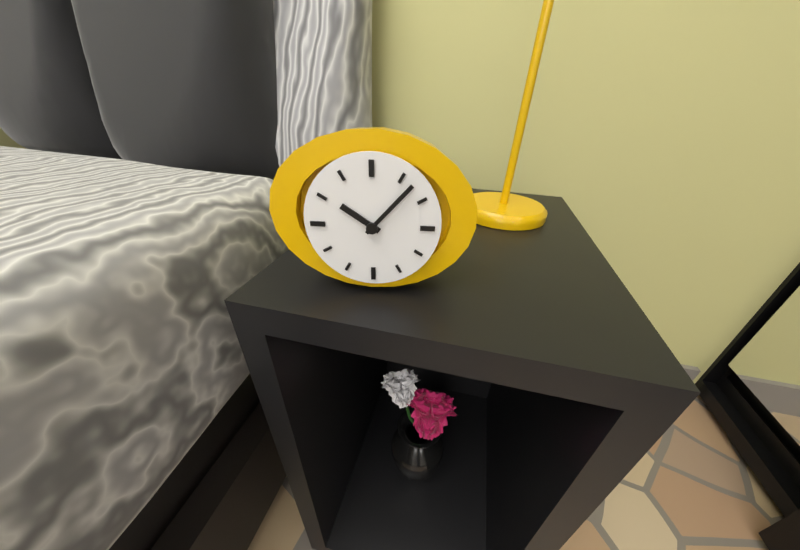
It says 10:07
